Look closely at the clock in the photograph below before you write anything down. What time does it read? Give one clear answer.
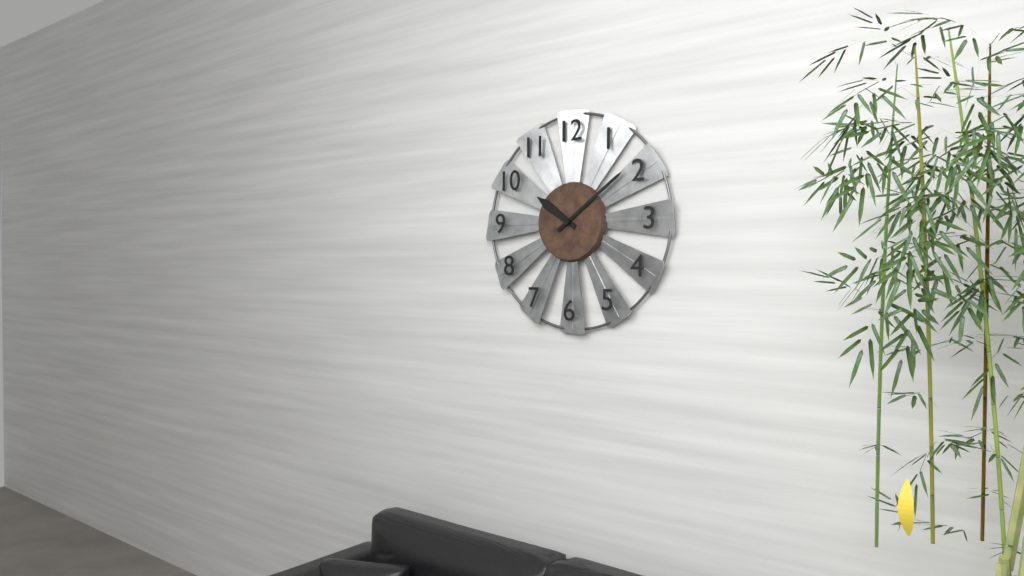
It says 10:09
